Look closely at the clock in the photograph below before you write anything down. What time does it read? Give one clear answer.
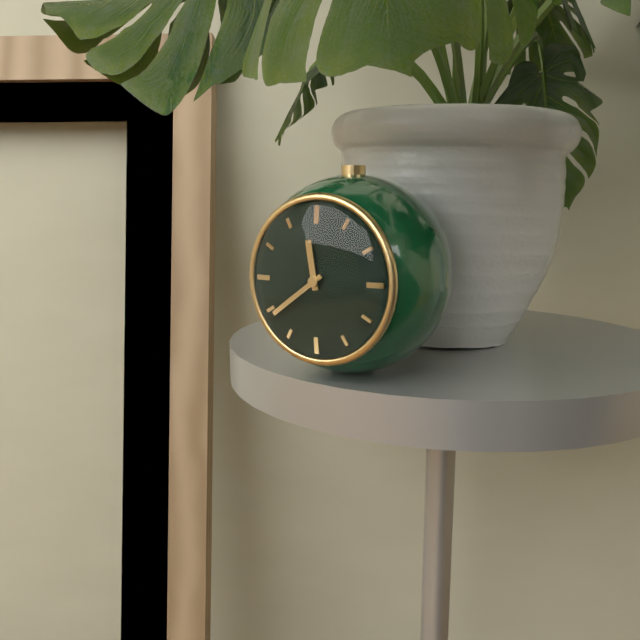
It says 11:39
